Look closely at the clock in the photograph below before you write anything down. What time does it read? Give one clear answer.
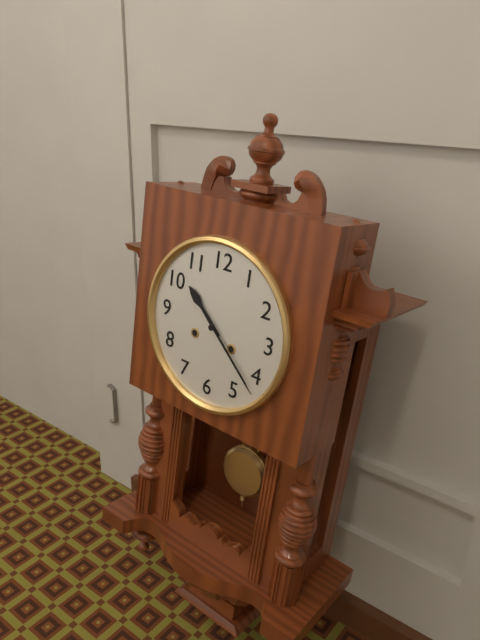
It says 10:22
